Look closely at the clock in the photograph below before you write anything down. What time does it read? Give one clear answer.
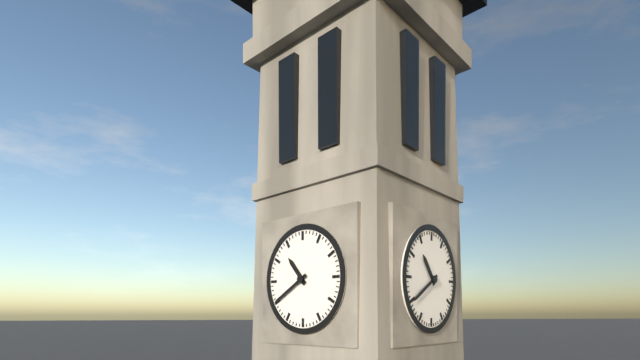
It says 10:40
